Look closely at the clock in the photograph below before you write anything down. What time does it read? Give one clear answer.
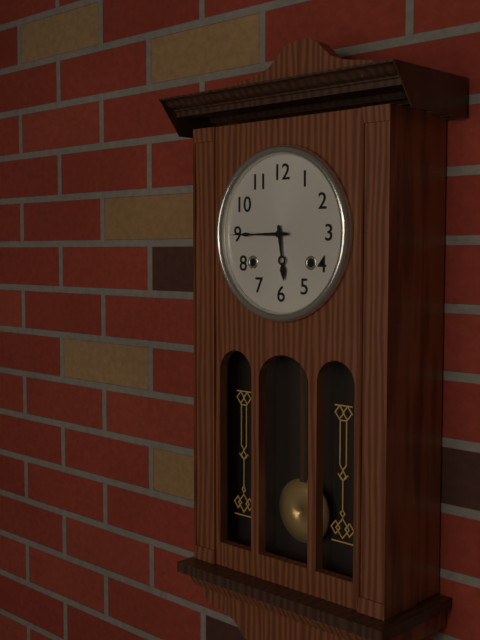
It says 5:45
